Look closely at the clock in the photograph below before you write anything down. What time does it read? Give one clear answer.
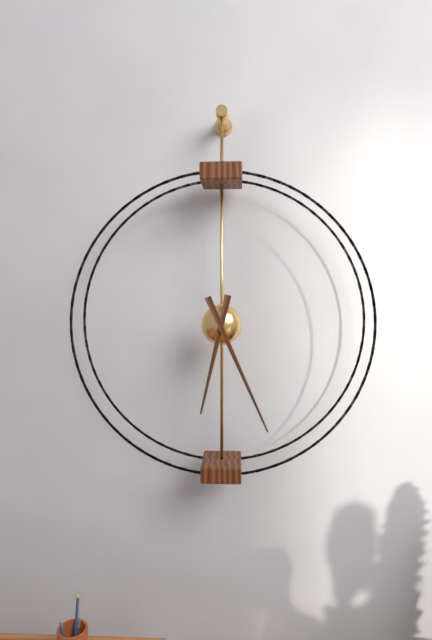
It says 6:26
